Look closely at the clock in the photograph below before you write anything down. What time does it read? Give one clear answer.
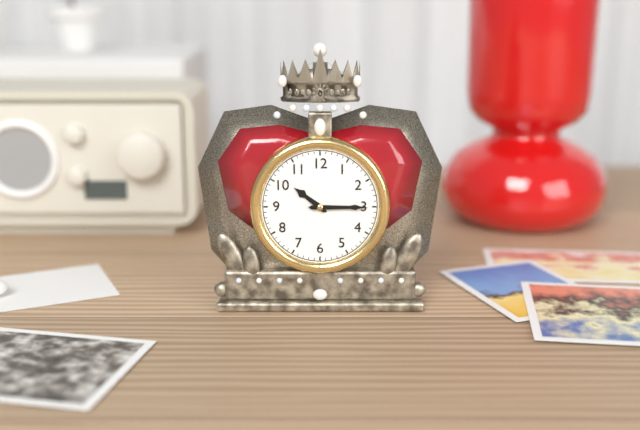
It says 10:15
